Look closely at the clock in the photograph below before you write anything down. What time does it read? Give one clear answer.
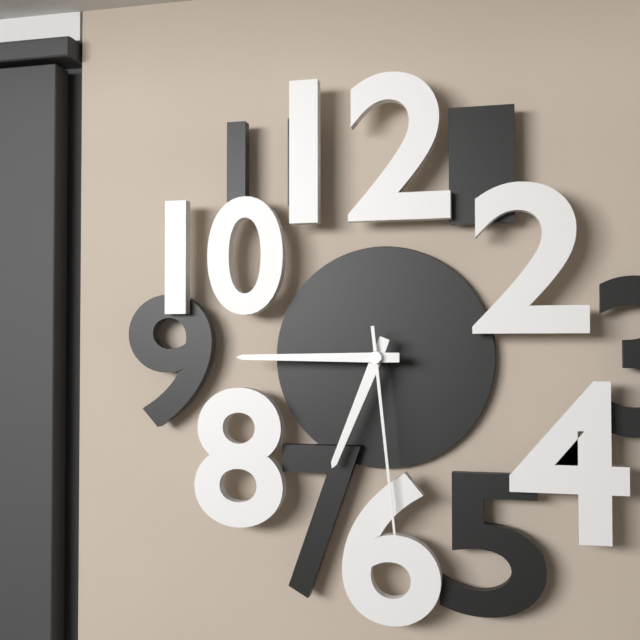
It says 6:45:29
